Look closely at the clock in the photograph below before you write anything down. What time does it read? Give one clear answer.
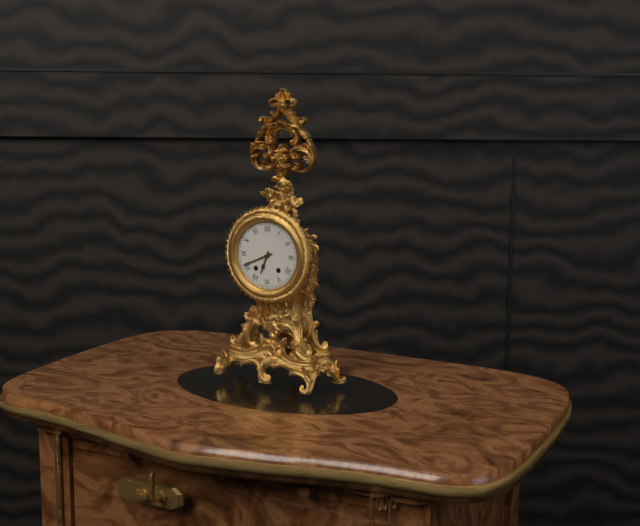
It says 6:41
